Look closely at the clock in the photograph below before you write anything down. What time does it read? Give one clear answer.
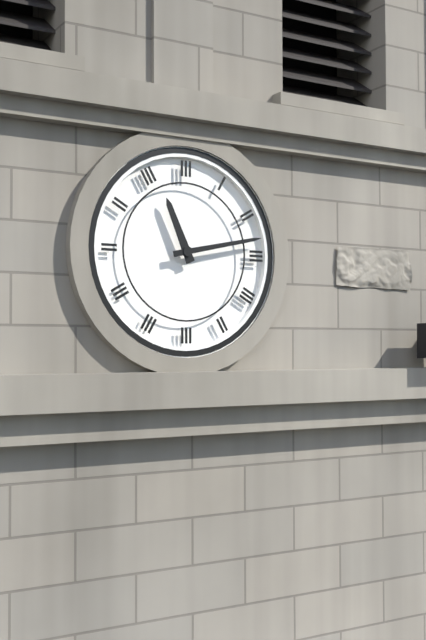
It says 11:13
